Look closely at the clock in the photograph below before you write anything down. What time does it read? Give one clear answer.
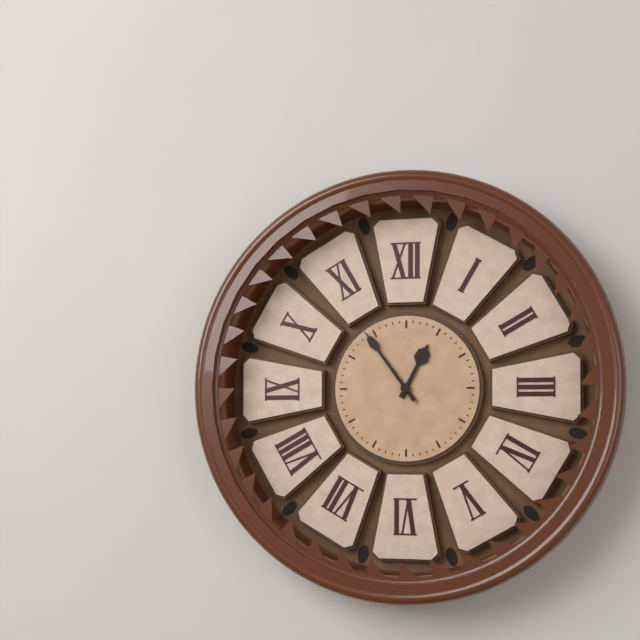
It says 12:54
